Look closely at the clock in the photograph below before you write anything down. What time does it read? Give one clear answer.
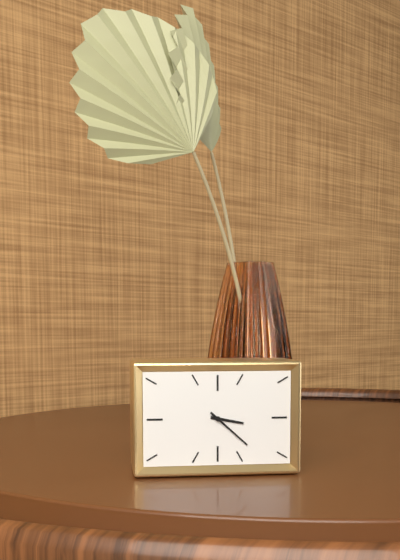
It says 3:22
